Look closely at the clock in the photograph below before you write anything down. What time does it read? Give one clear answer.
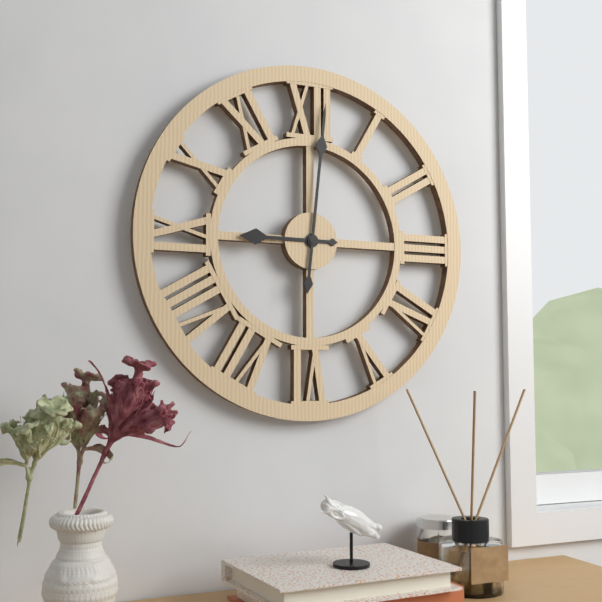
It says 9:01
